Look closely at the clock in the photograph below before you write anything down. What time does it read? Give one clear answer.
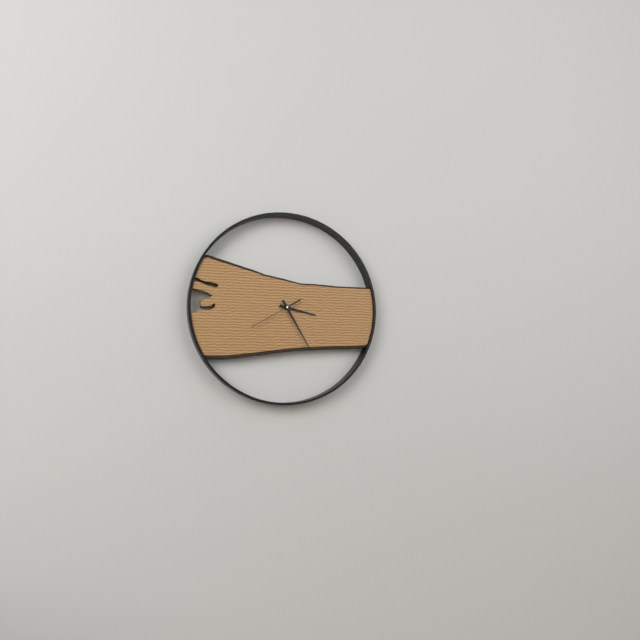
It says 3:25:40
